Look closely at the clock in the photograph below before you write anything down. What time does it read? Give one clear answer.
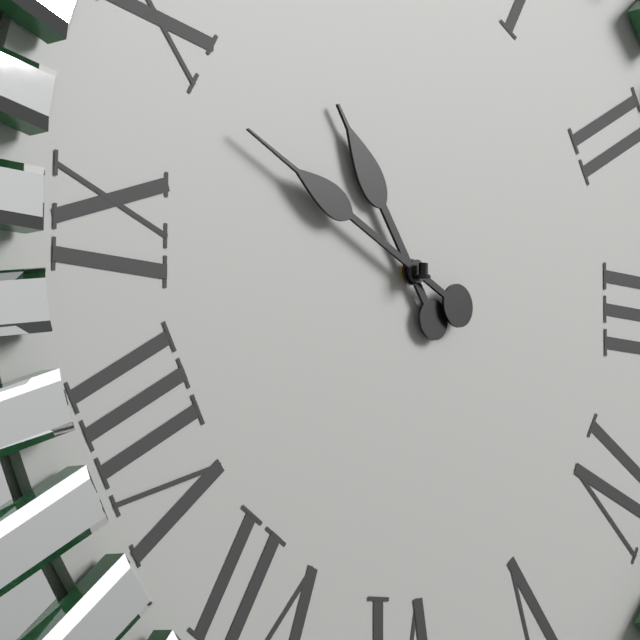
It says 10:49
